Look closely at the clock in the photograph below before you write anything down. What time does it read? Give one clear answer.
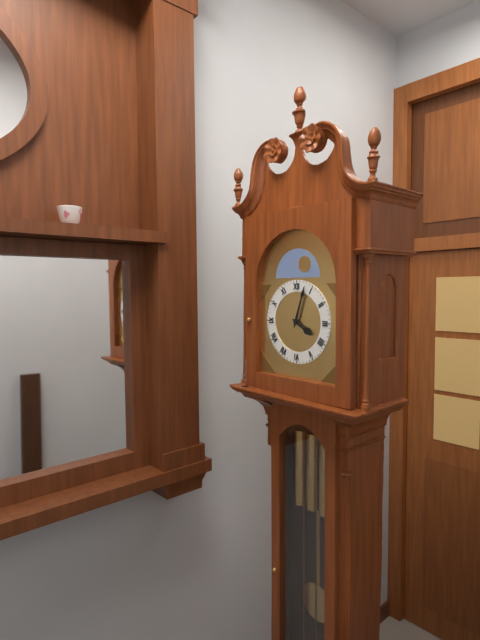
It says 4:03
